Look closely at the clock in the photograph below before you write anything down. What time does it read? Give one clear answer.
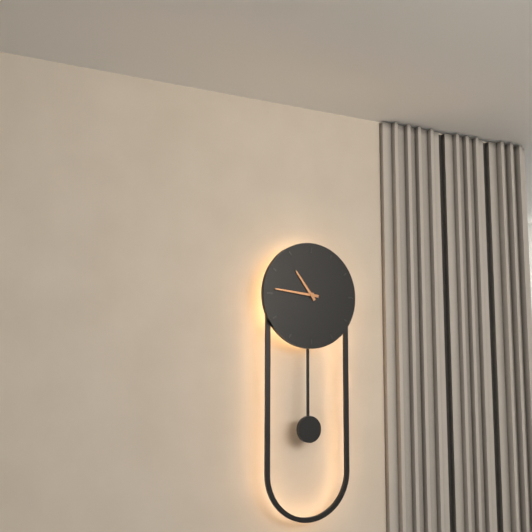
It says 10:46
